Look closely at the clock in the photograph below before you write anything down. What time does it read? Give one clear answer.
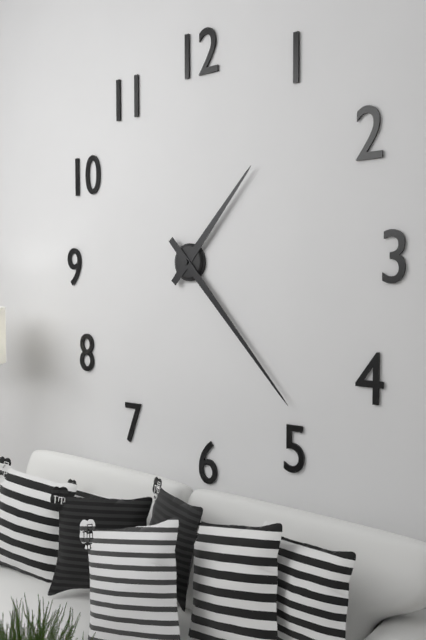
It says 1:23
